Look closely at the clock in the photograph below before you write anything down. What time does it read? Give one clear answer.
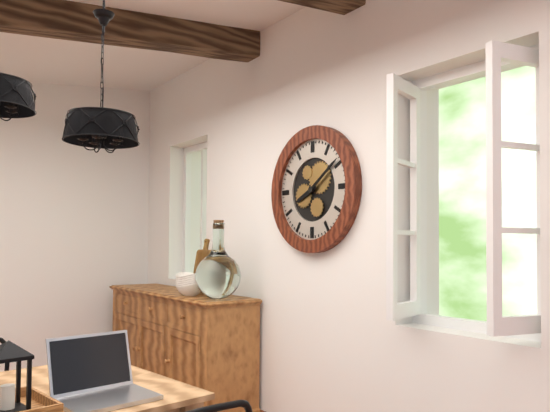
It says 8:09
